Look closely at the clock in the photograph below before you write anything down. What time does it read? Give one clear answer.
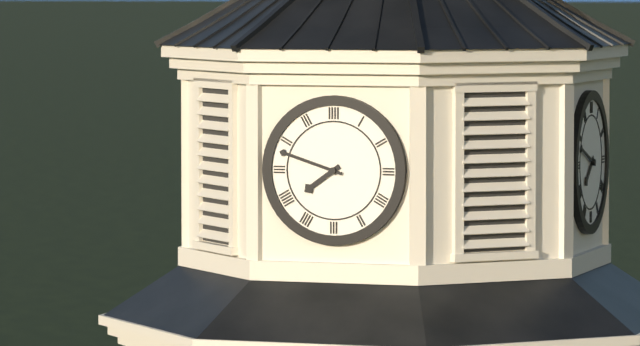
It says 7:48
